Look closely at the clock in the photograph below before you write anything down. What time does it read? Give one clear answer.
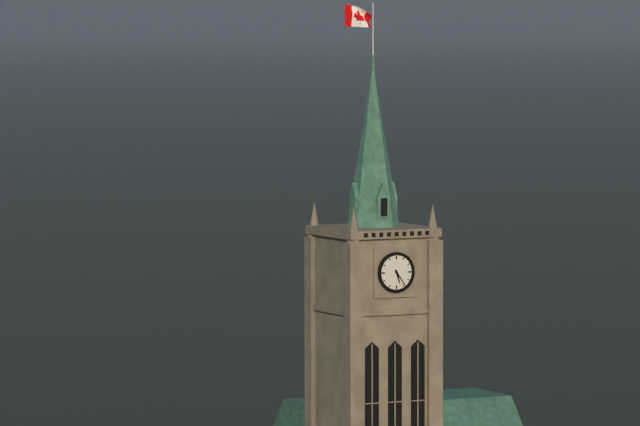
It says 5:24
